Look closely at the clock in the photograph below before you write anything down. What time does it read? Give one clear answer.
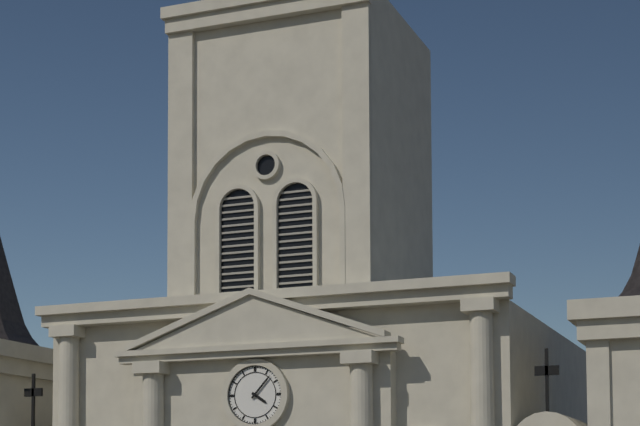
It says 4:07
